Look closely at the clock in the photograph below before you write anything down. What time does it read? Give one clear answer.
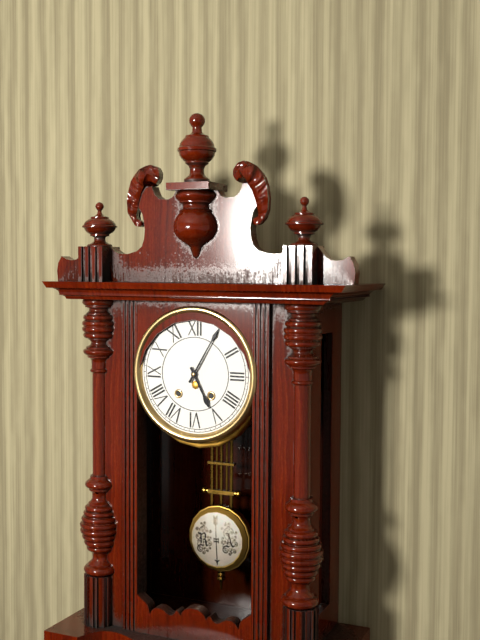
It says 5:05
